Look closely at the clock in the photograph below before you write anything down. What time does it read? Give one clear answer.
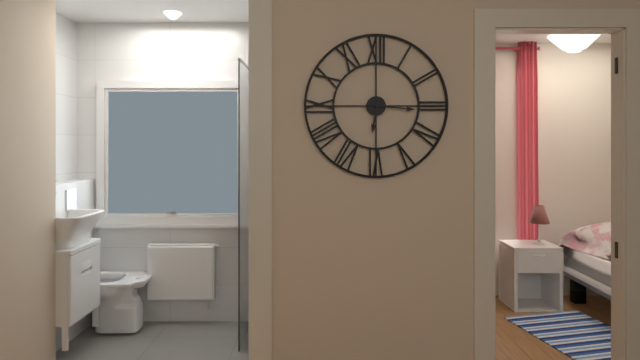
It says 6:16
